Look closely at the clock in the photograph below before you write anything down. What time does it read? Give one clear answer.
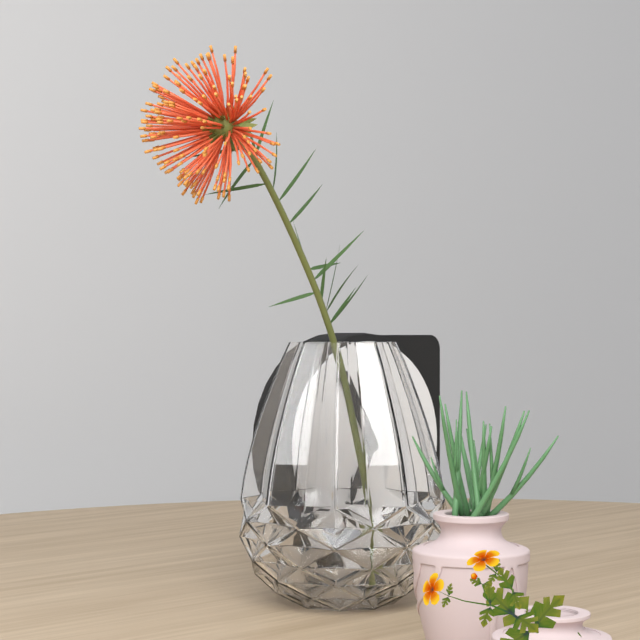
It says 6:55
